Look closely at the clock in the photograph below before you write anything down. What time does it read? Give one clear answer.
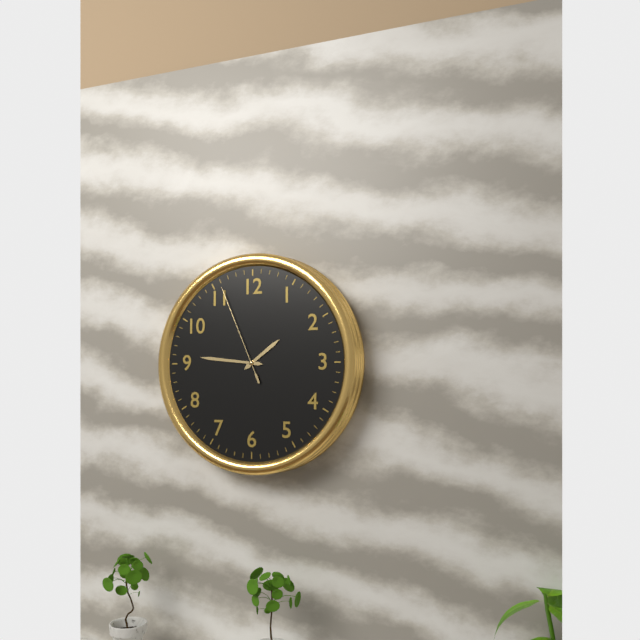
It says 1:46:56
